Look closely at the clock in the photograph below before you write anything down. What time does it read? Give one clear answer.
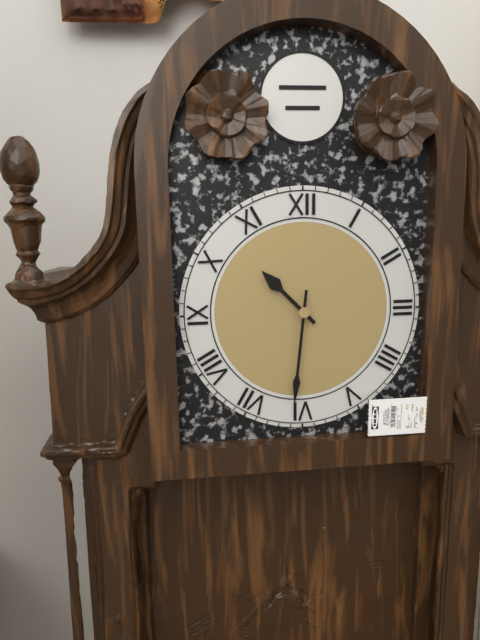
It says 10:31
